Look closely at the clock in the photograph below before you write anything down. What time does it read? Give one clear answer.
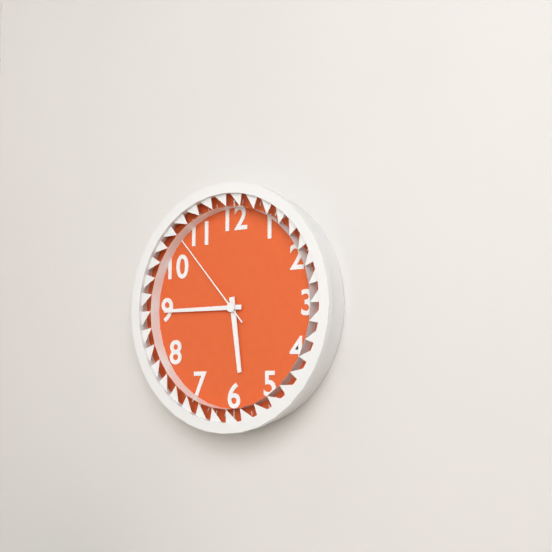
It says 5:45:53
